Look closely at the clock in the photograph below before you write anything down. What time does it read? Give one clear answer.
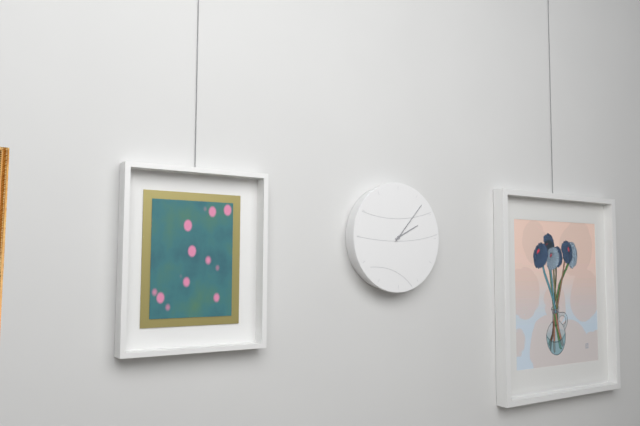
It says 2:07
